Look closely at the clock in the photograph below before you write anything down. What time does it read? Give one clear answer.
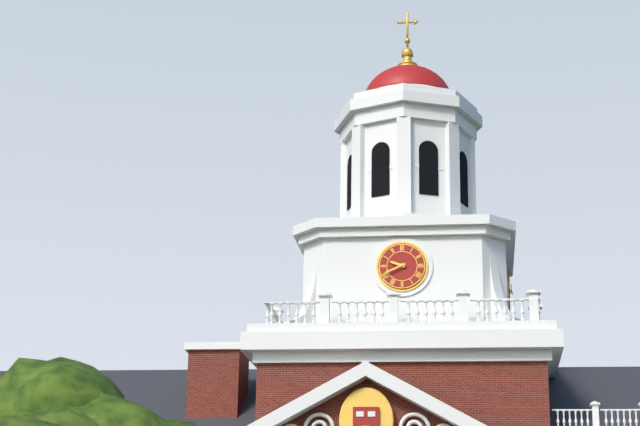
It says 9:41
